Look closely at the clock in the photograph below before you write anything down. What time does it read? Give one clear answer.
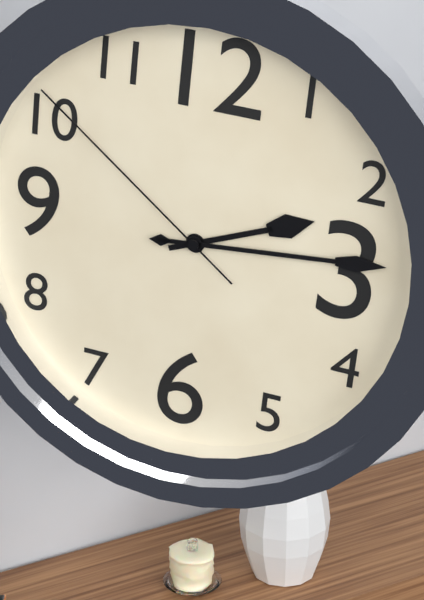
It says 2:14:51
